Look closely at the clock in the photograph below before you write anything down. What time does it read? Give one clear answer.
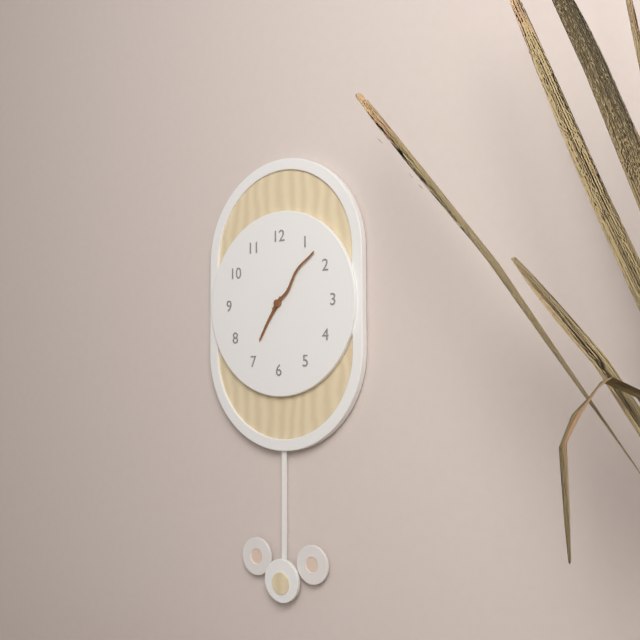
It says 7:07
